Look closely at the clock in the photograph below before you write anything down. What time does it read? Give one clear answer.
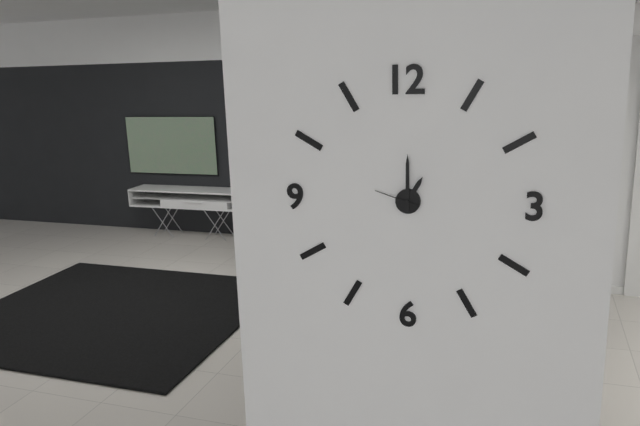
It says 1:00
